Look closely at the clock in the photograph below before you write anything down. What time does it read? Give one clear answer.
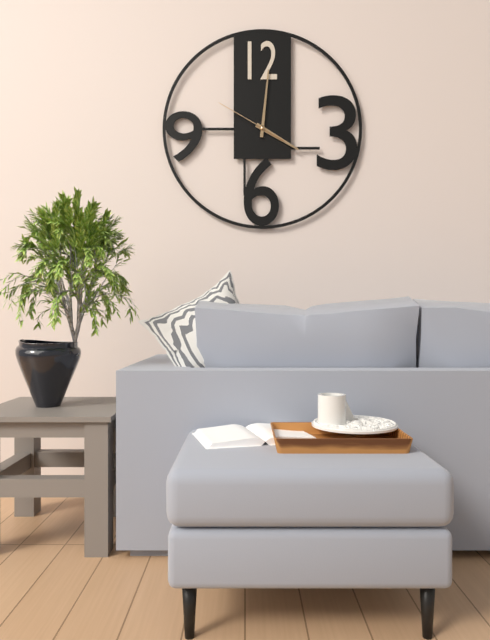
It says 4:01:50
